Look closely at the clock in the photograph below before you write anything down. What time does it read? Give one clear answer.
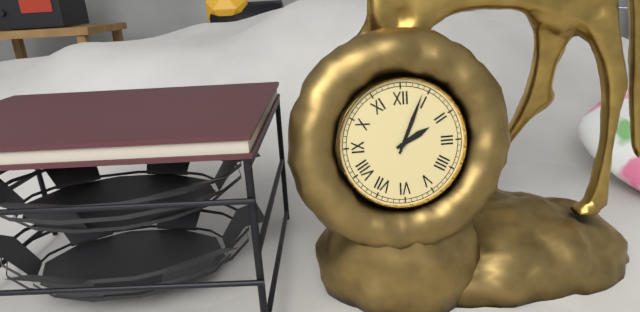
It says 2:04
